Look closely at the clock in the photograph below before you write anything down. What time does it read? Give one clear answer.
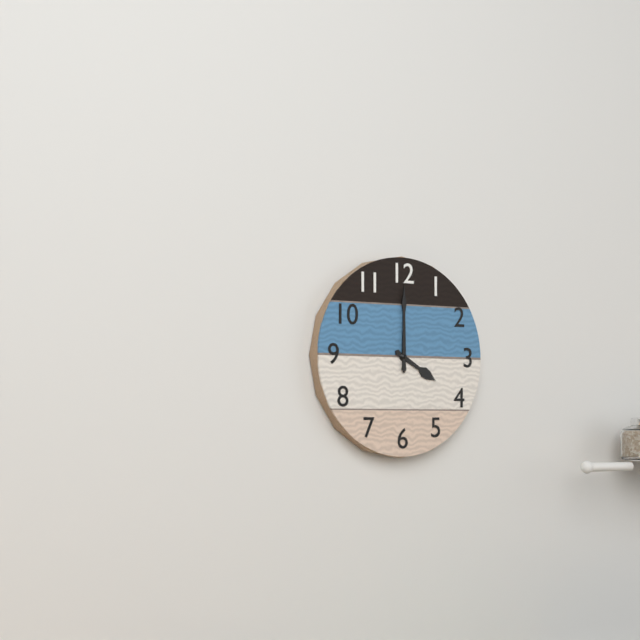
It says 4:00
